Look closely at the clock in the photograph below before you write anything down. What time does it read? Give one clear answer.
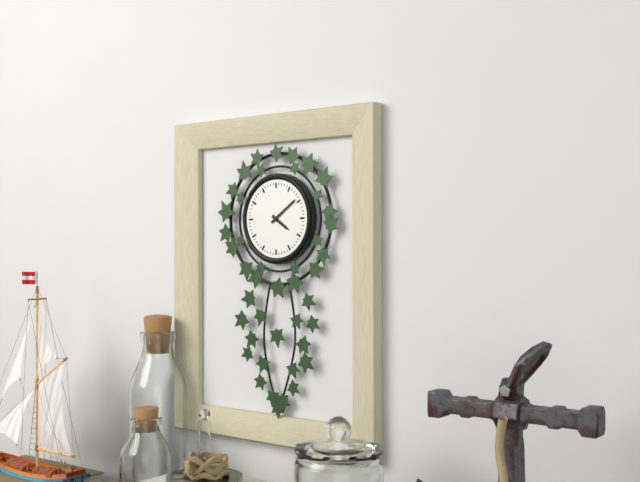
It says 4:09
